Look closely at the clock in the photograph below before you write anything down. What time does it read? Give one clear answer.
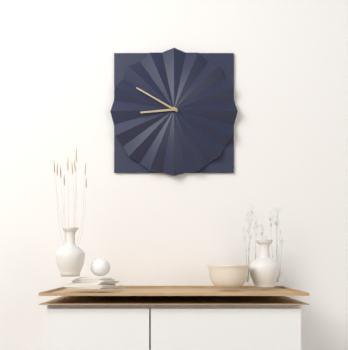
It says 8:50
